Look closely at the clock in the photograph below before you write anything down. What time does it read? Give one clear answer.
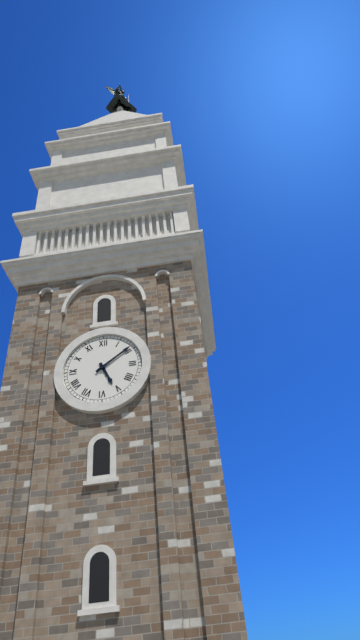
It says 5:09
